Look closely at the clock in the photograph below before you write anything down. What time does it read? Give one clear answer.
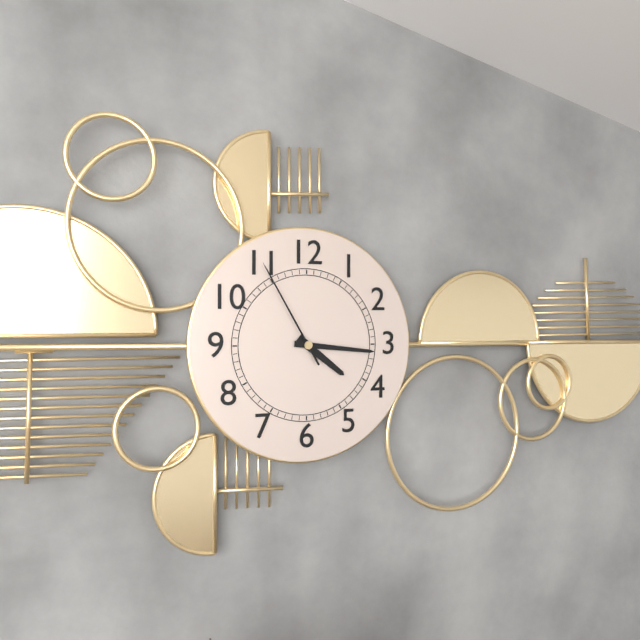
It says 4:16:55
